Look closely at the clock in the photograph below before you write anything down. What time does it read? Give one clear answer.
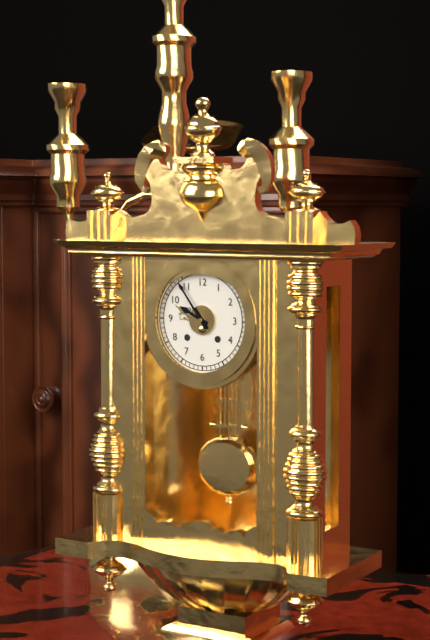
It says 9:54
